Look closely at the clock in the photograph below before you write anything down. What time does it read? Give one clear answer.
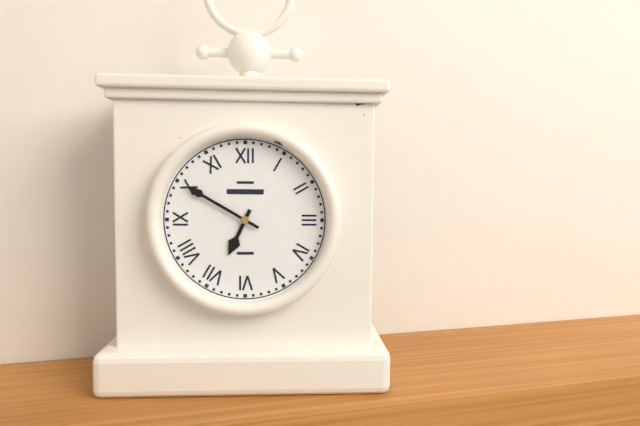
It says 6:50
